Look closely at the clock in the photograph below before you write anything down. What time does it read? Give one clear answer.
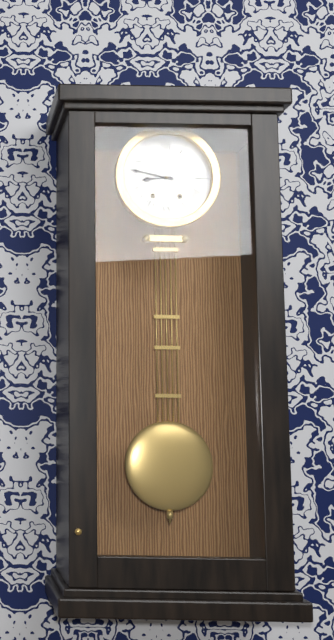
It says 8:47
